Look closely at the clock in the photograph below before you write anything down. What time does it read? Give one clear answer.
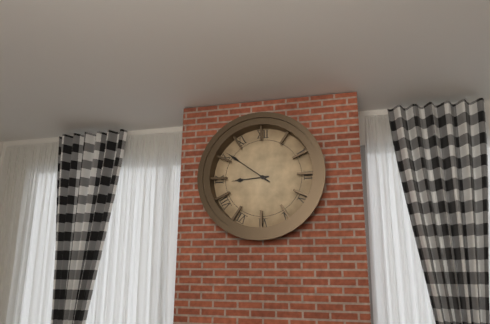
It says 8:51
